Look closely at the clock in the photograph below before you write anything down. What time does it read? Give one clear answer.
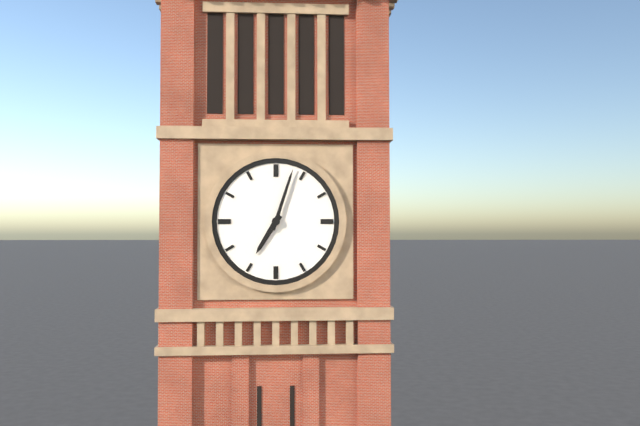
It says 7:03
